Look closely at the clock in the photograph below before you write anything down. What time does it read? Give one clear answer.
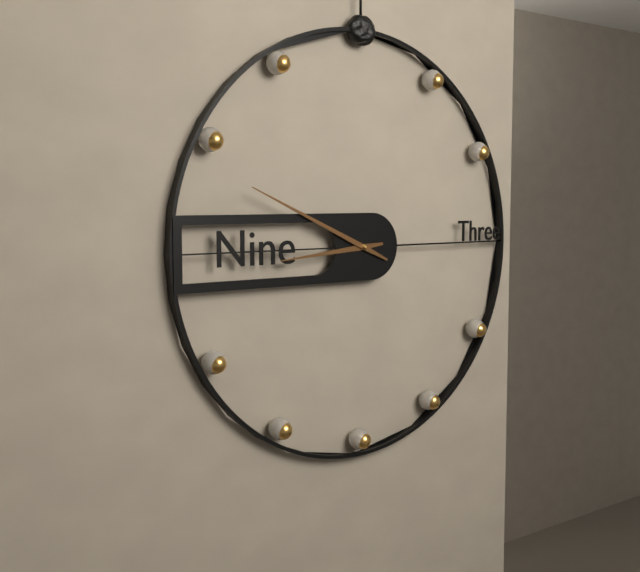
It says 8:49
